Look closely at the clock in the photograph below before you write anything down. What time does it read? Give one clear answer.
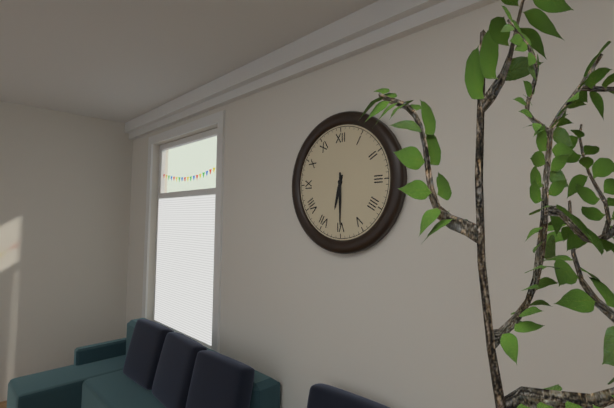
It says 6:30
